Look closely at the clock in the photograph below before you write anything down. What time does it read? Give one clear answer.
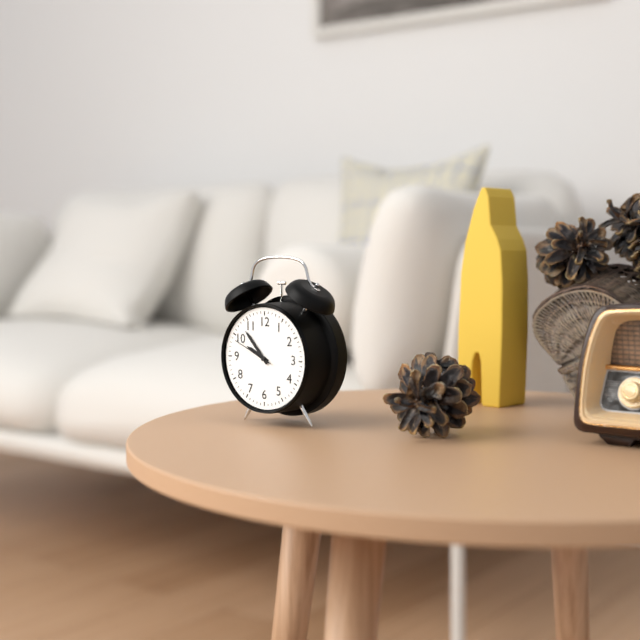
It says 9:53
